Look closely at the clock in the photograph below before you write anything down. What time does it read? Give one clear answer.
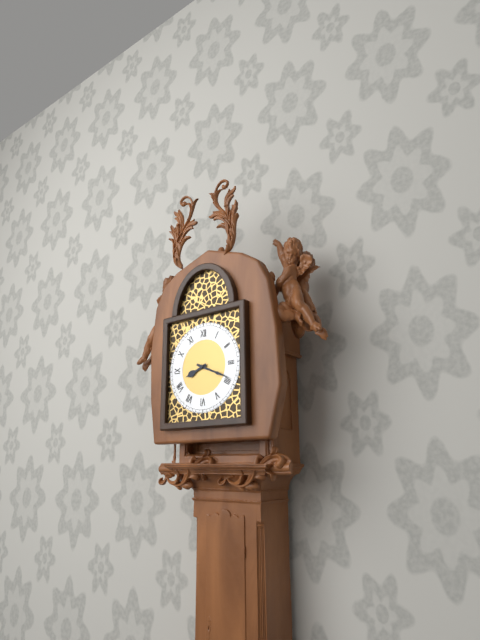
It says 8:19
